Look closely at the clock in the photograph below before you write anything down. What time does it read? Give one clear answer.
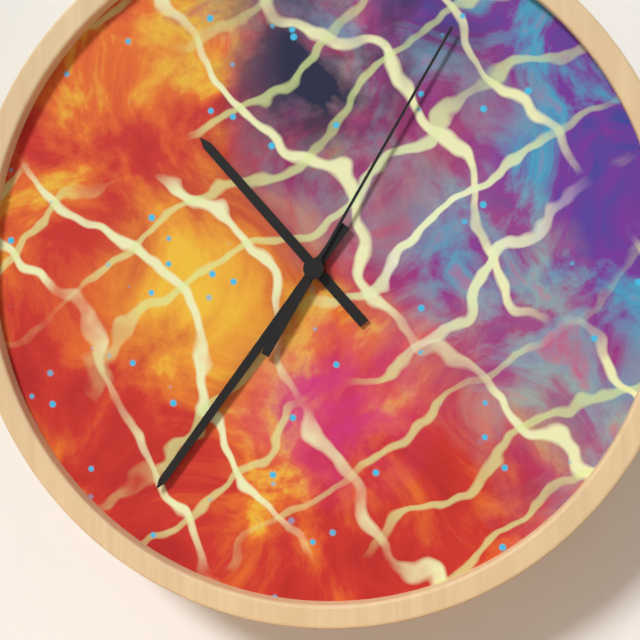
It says 10:36:05
